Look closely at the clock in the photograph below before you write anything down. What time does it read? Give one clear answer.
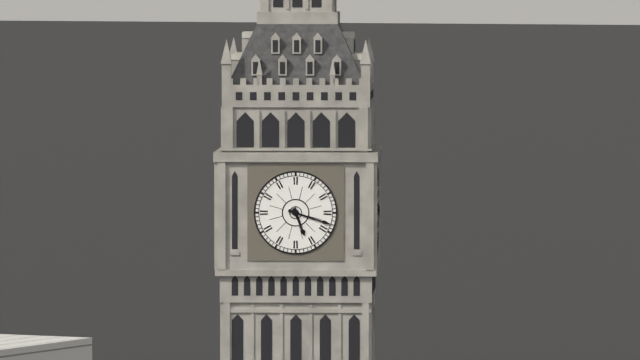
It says 5:18
